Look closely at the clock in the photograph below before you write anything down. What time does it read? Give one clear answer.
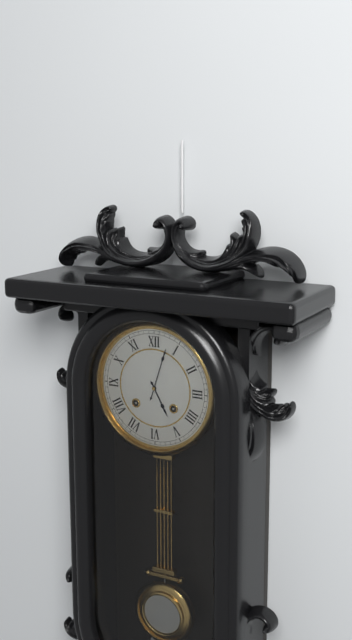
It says 5:03
